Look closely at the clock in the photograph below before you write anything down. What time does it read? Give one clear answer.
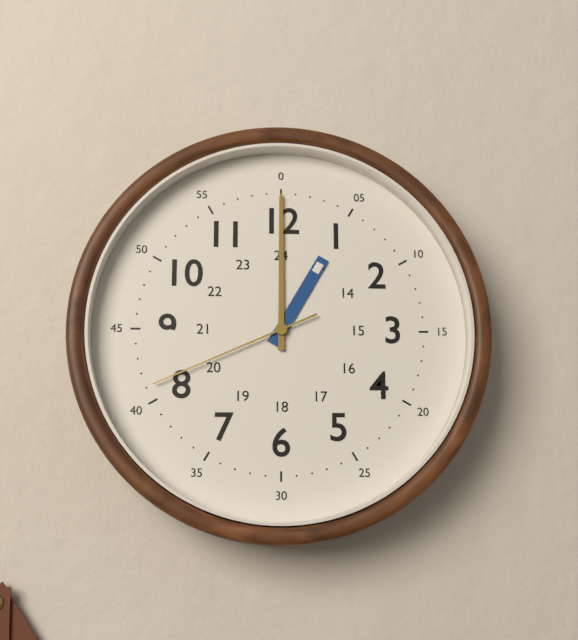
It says 1:00:41
